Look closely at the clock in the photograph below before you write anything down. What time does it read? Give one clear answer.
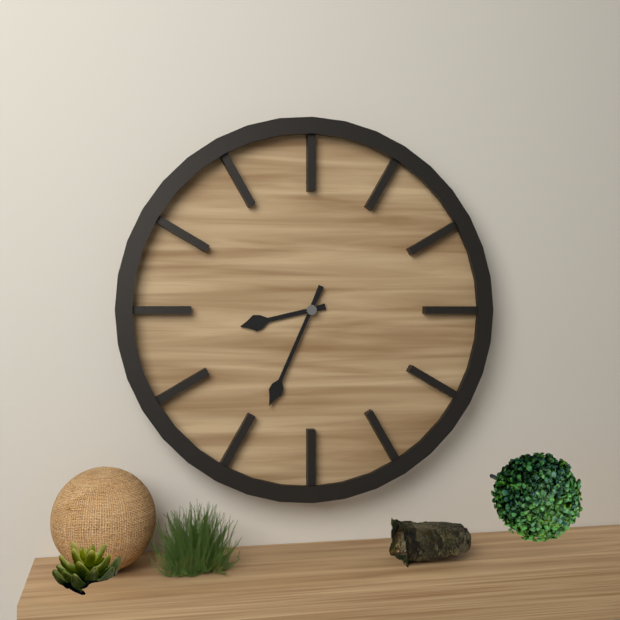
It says 8:34
